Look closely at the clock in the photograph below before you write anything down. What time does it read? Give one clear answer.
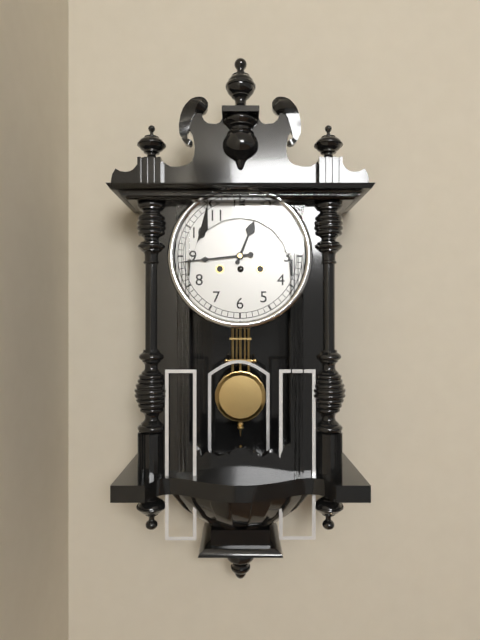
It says 12:44
